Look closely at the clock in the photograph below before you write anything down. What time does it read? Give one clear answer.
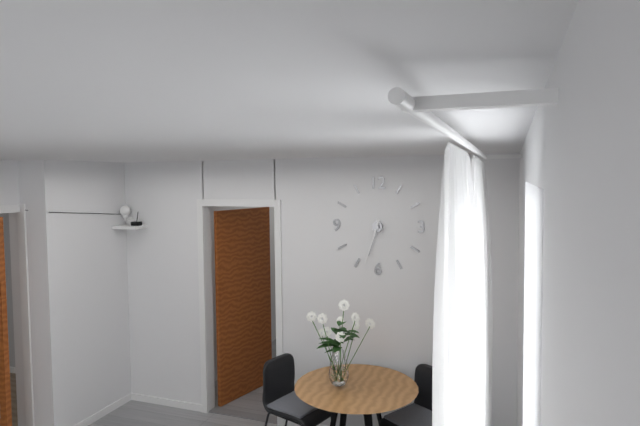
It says 6:33
